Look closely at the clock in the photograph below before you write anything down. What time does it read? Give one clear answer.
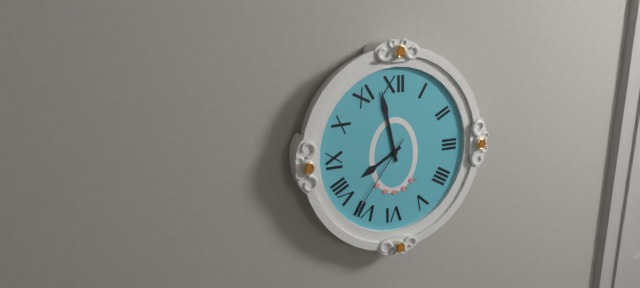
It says 7:58:36
